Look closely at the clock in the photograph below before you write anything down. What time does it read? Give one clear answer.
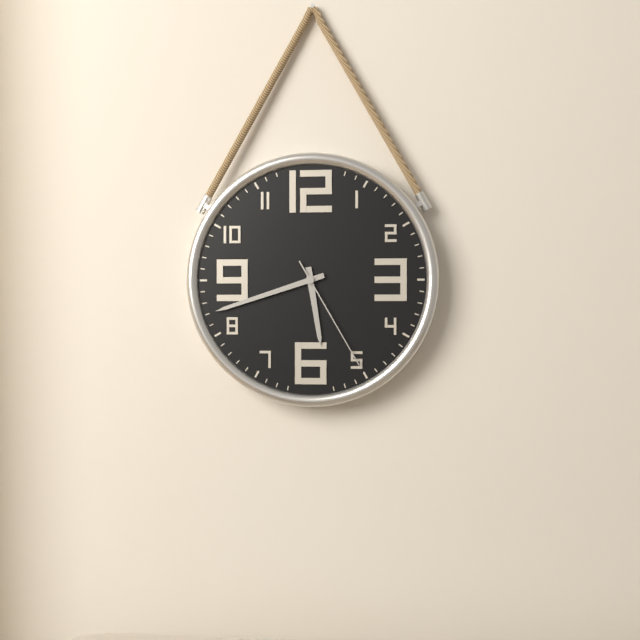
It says 5:42:25
